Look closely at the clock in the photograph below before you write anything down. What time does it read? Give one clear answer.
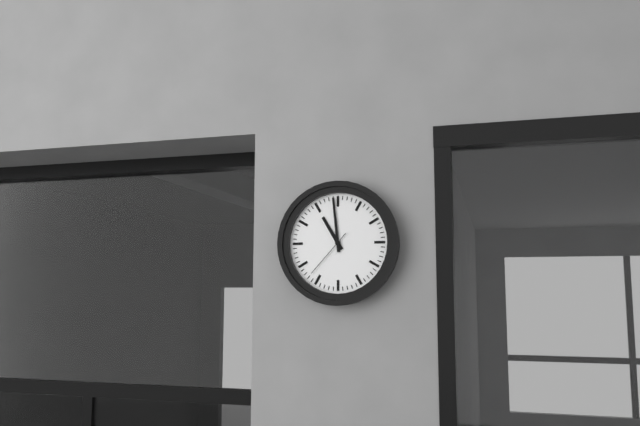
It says 10:59:37
